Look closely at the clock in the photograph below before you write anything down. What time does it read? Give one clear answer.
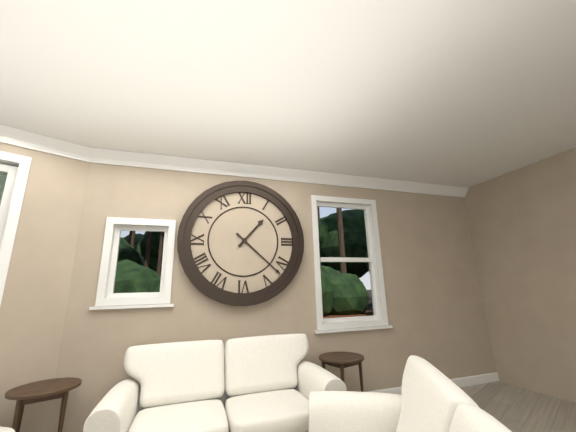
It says 1:22
